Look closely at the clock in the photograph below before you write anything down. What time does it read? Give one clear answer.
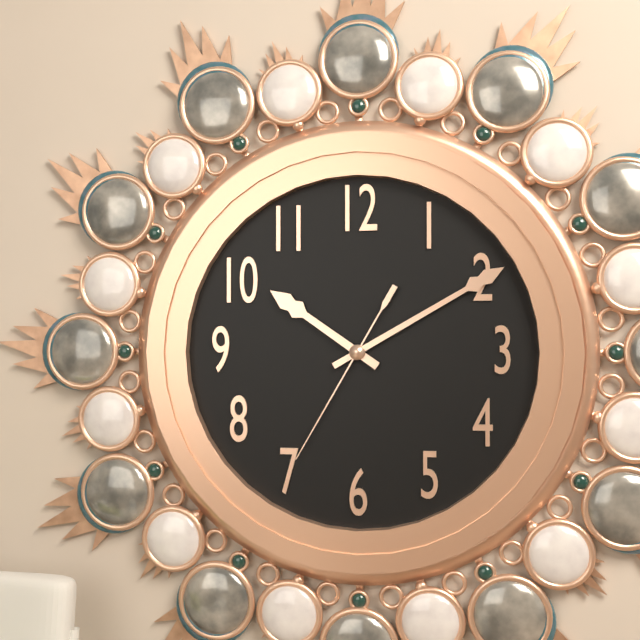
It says 10:10:35
